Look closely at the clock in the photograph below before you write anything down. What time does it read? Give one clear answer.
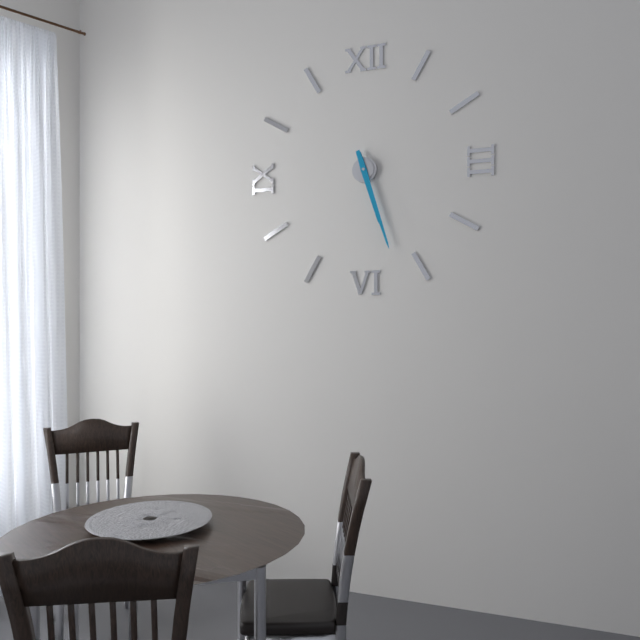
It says 5:27
